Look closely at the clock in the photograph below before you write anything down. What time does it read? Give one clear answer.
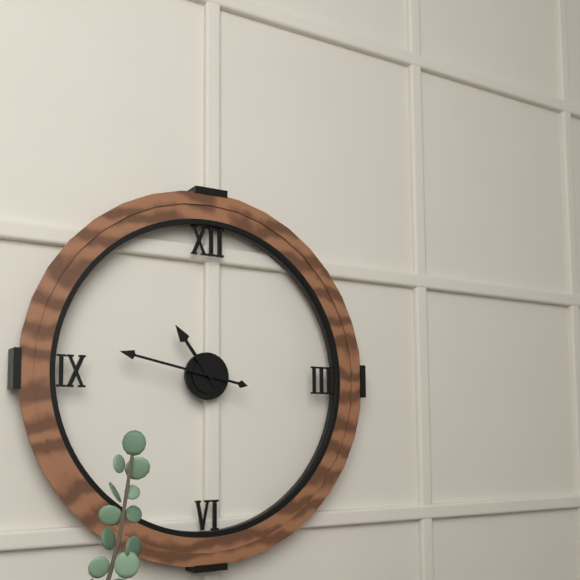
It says 10:47
